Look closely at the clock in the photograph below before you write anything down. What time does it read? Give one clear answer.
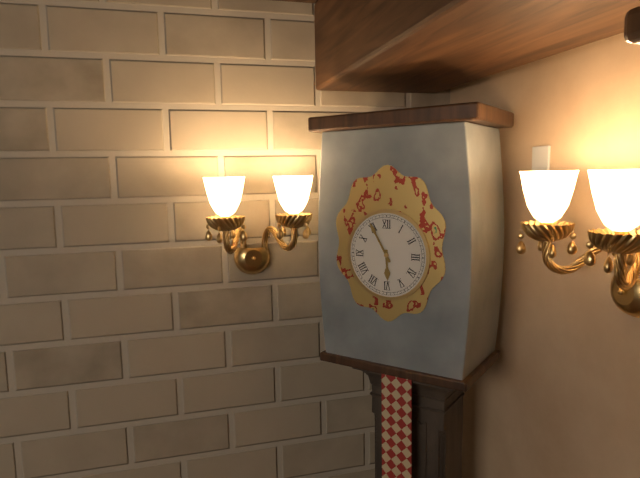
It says 5:55
